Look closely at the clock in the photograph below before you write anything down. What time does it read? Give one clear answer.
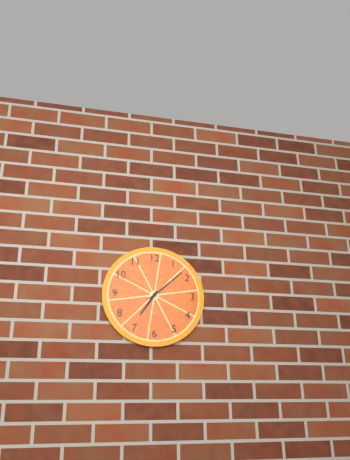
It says 7:08
